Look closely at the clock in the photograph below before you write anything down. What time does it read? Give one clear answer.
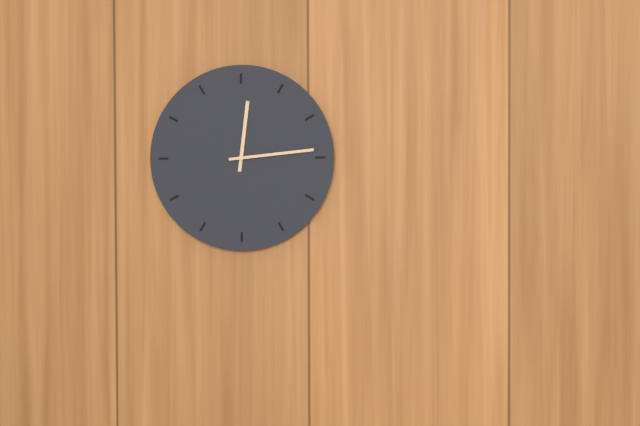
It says 12:14
